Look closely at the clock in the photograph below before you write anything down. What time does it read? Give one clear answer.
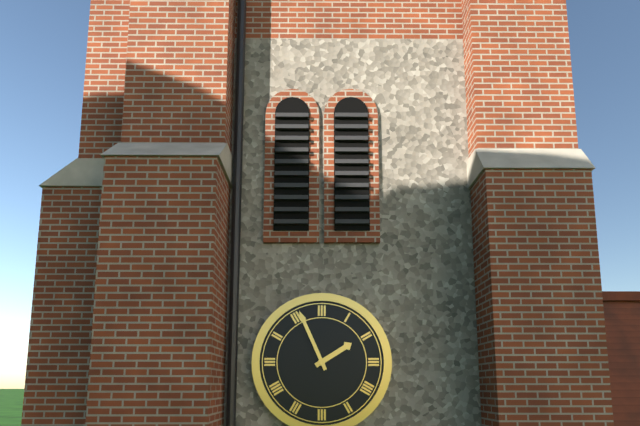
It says 1:56
